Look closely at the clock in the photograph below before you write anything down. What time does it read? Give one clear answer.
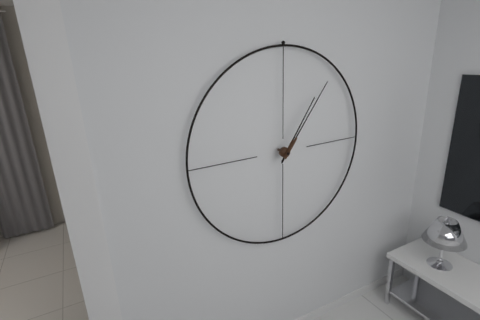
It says 1:06
